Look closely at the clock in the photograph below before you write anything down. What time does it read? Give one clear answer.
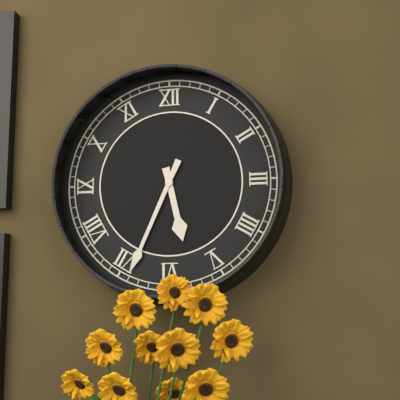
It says 5:34
